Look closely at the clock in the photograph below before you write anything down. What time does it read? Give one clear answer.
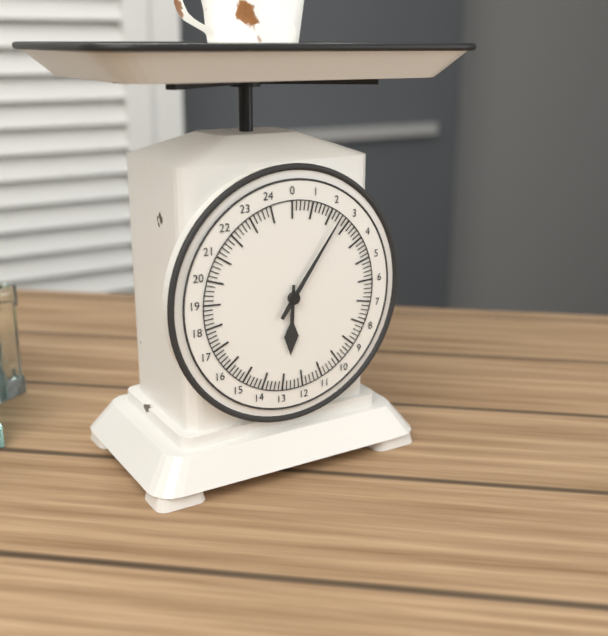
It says 6:06
